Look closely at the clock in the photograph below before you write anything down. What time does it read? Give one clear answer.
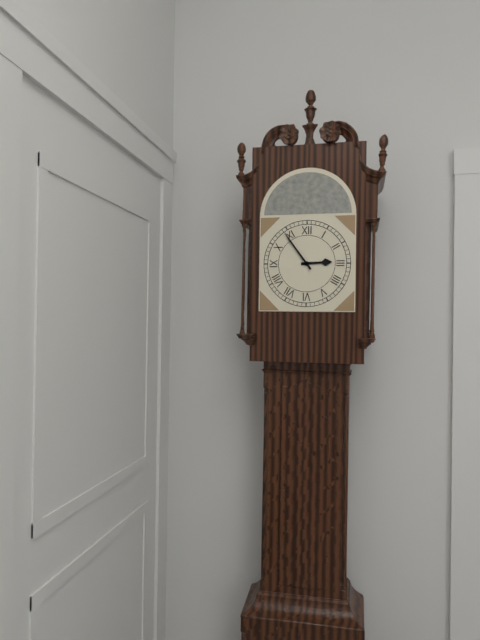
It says 2:54
